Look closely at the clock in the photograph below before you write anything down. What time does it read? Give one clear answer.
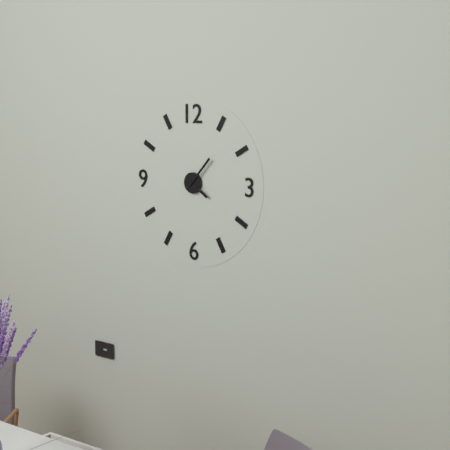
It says 4:07
